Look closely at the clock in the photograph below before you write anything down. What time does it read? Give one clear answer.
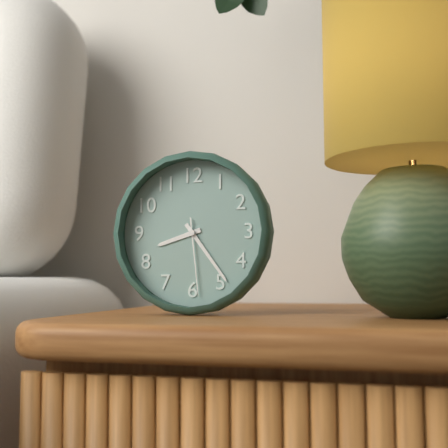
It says 8:24:29
